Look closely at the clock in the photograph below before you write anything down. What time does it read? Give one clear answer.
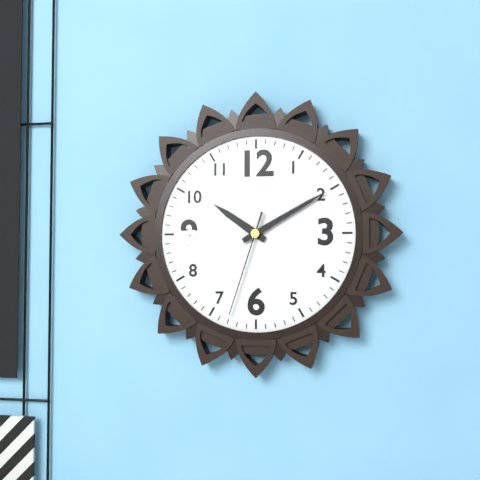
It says 10:10:33
